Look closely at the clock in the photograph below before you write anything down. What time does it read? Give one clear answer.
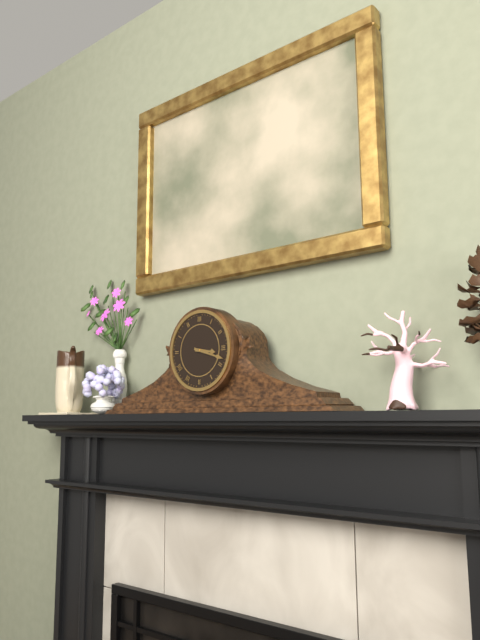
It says 3:18
